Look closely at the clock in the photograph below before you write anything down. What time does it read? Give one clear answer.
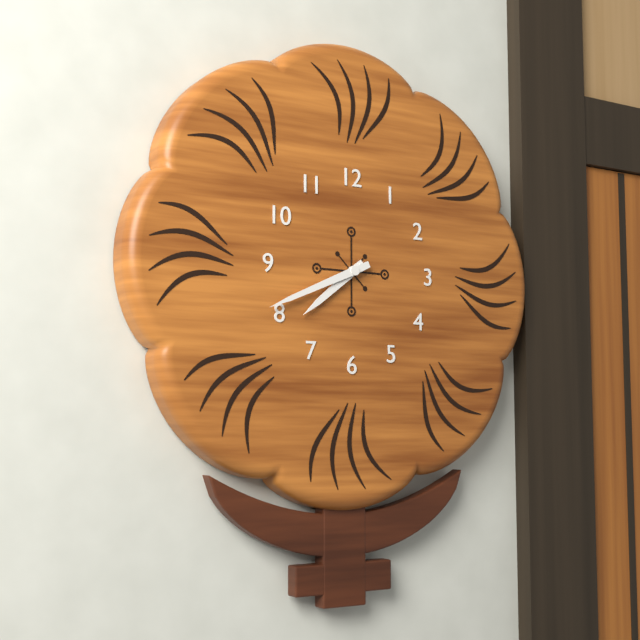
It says 7:41
